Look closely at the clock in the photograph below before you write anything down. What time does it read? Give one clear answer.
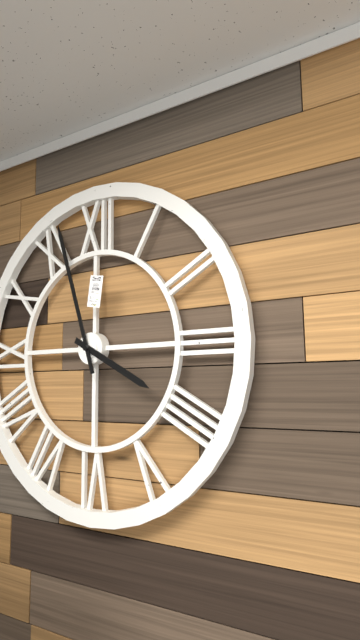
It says 3:57
